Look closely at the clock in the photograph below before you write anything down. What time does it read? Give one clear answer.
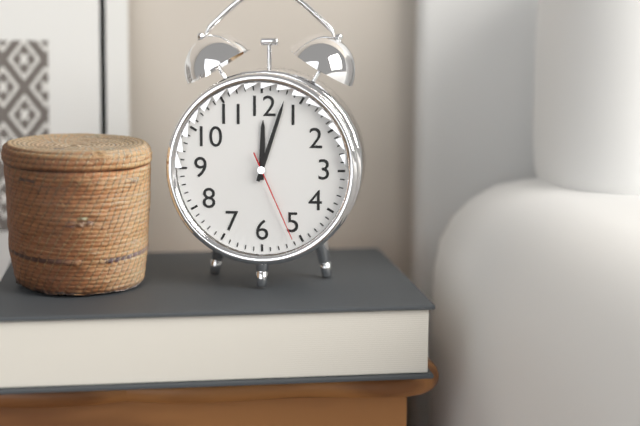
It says 12:03:26
